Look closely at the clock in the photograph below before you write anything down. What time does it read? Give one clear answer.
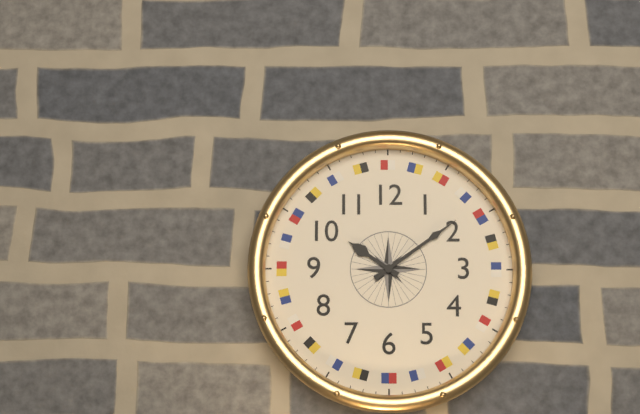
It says 10:09
